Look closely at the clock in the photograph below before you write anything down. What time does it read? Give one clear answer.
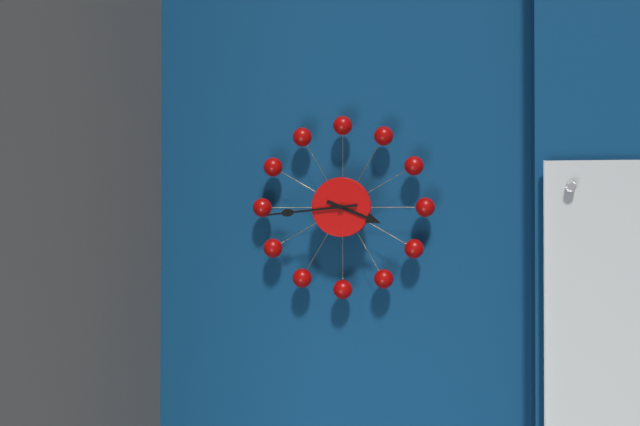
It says 3:44
